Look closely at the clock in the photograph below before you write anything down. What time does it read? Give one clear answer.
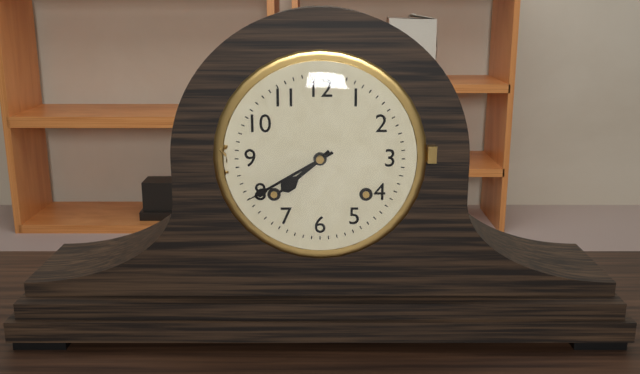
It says 7:40
